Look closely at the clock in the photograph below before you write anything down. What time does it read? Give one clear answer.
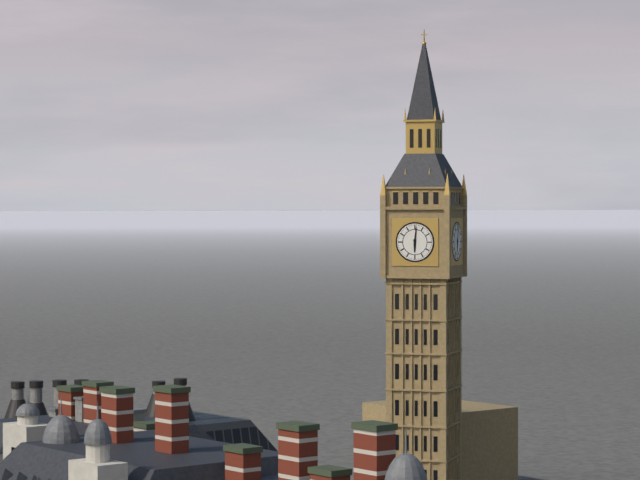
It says 6:01
